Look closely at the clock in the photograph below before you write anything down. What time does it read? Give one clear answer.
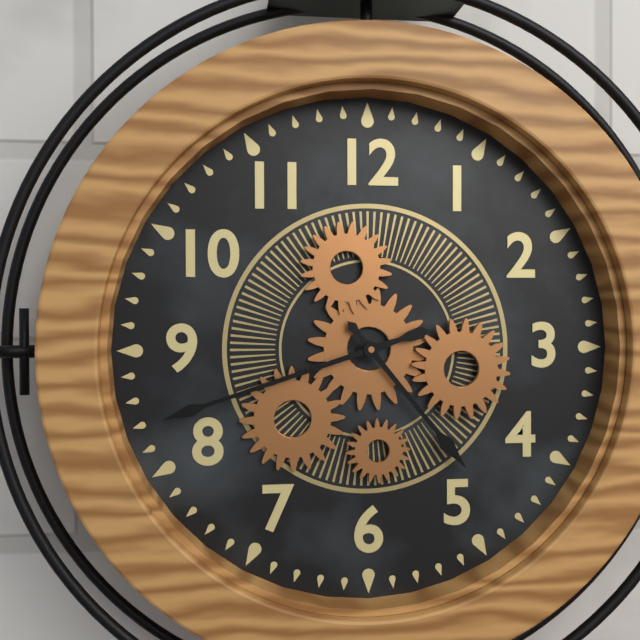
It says 4:42
